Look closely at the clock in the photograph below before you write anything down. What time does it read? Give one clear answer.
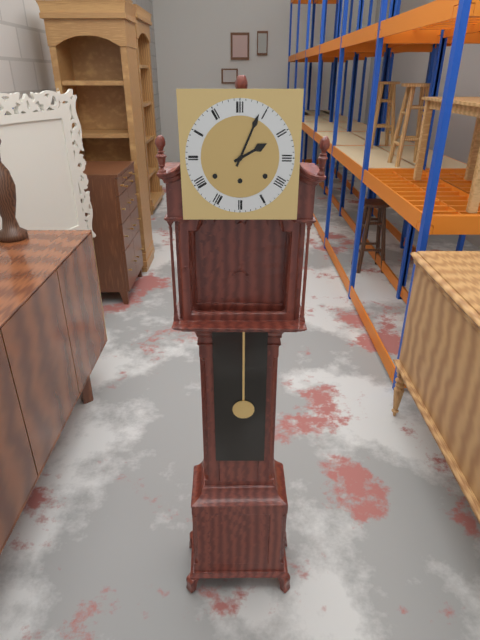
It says 2:04
